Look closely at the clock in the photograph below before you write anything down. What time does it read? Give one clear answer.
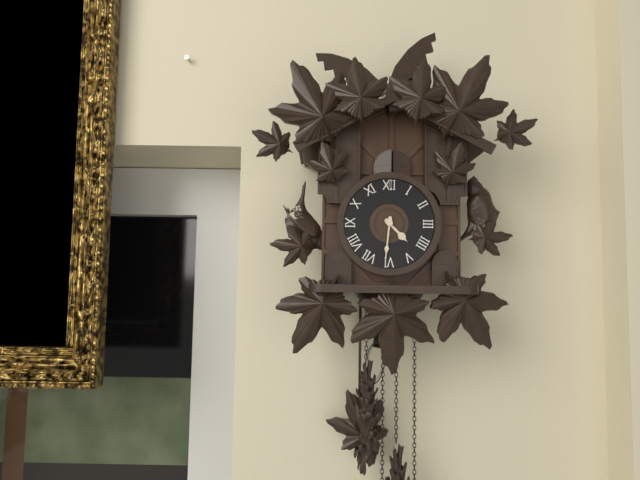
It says 4:31
